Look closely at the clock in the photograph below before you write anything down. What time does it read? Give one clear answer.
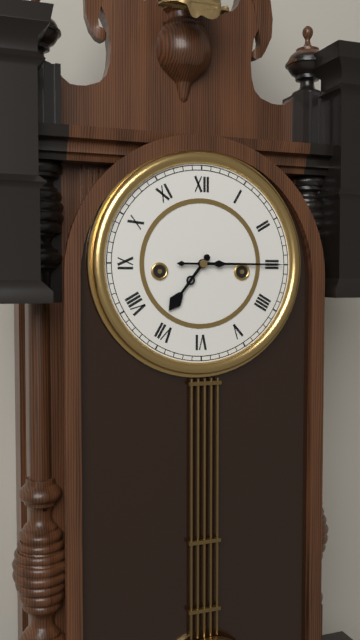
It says 7:15
